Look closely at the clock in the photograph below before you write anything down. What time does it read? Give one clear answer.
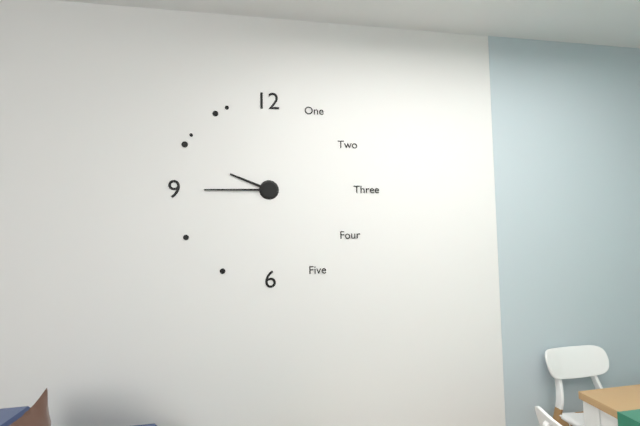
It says 9:45
